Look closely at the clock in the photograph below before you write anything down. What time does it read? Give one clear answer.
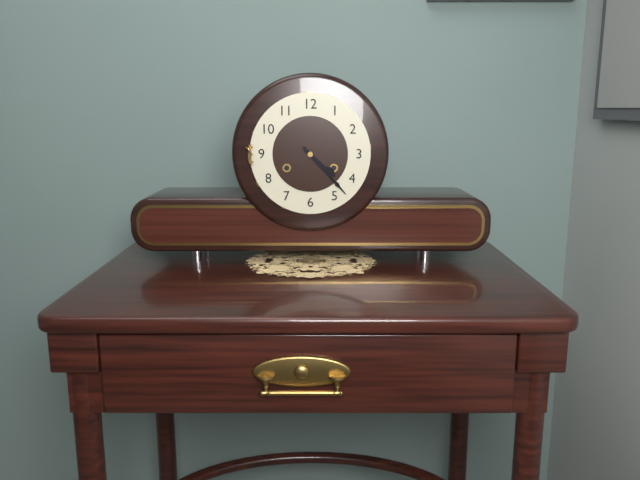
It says 4:23
